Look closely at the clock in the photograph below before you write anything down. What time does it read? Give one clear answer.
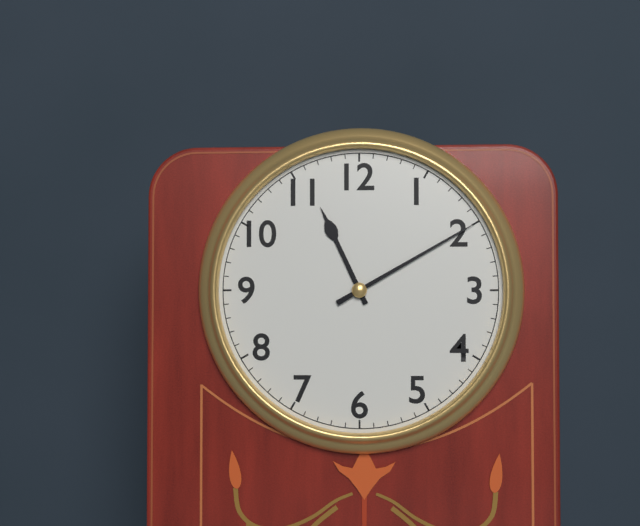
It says 11:10
